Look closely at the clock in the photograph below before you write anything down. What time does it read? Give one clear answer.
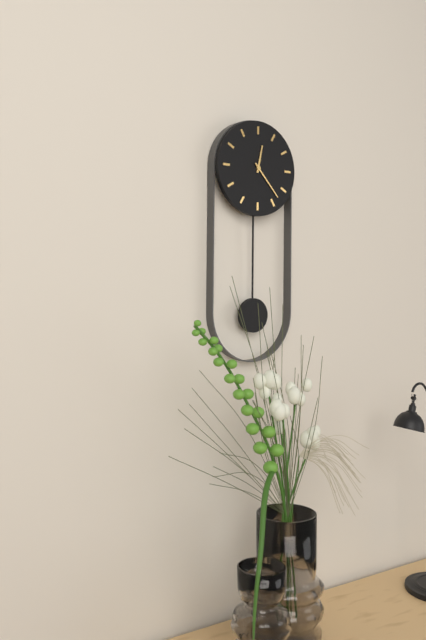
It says 12:23
